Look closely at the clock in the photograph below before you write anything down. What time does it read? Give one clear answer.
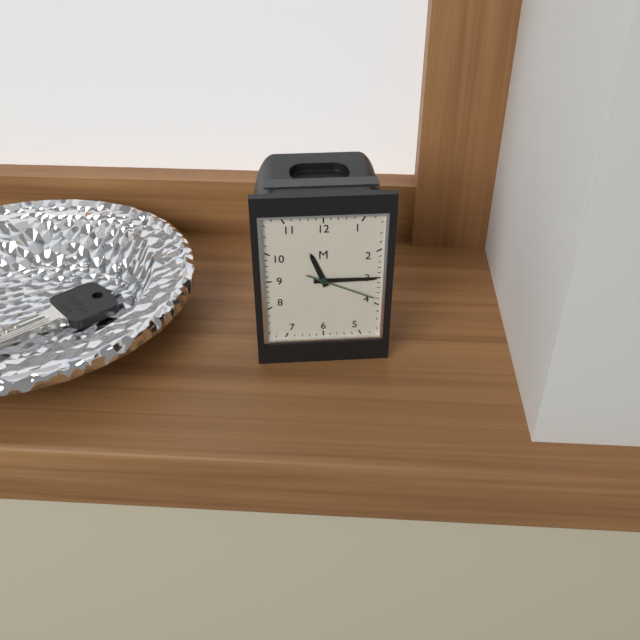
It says 11:15:19
